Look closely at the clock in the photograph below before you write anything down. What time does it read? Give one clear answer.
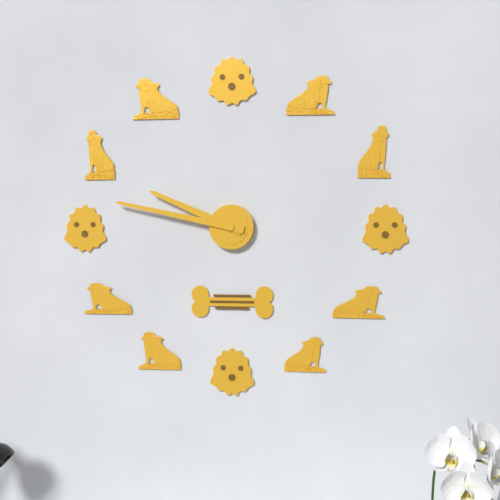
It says 9:47
